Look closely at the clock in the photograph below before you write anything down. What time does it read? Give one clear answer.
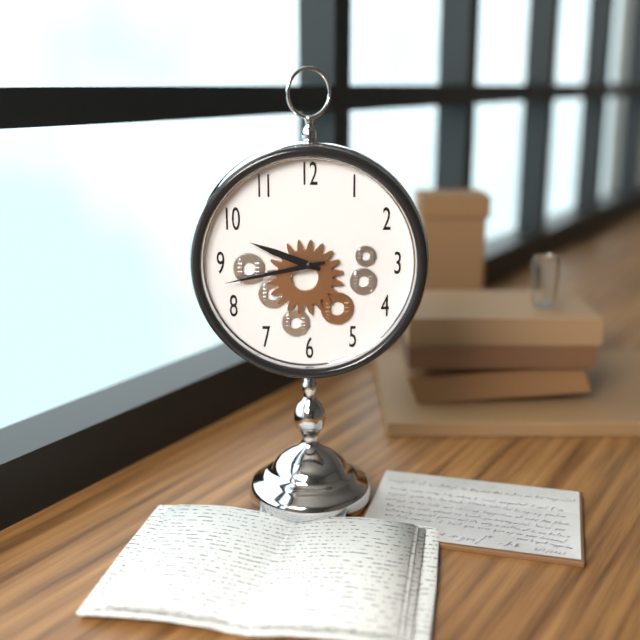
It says 9:43
